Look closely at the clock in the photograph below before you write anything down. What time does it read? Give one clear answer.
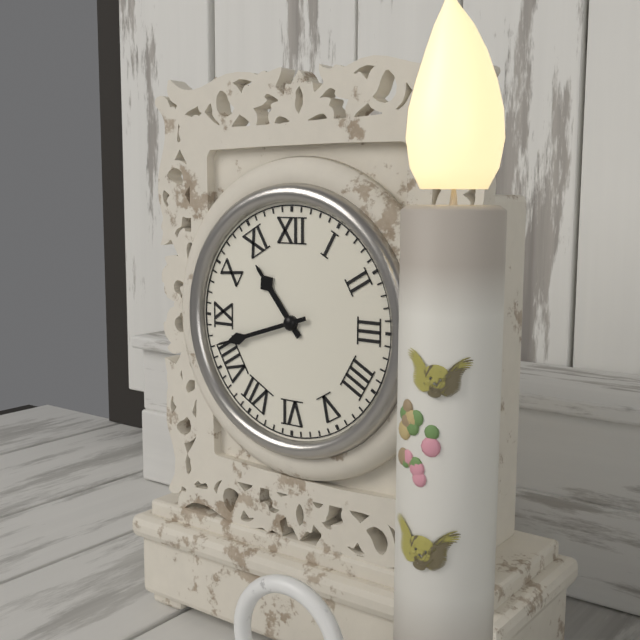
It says 10:42
